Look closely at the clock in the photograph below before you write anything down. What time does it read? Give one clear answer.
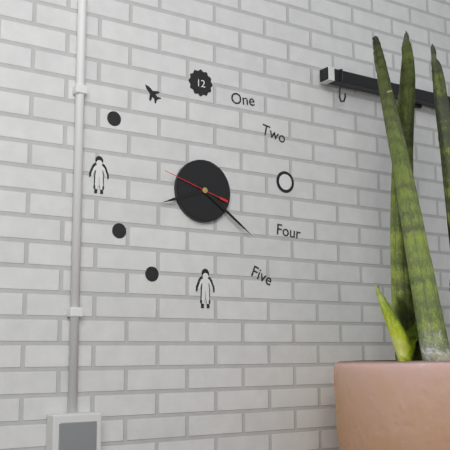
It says 8:21:48
